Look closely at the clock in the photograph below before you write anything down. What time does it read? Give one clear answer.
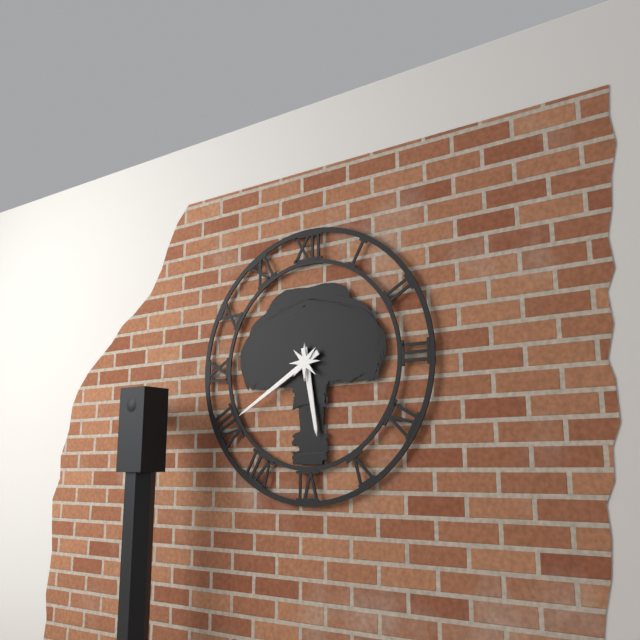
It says 5:40
